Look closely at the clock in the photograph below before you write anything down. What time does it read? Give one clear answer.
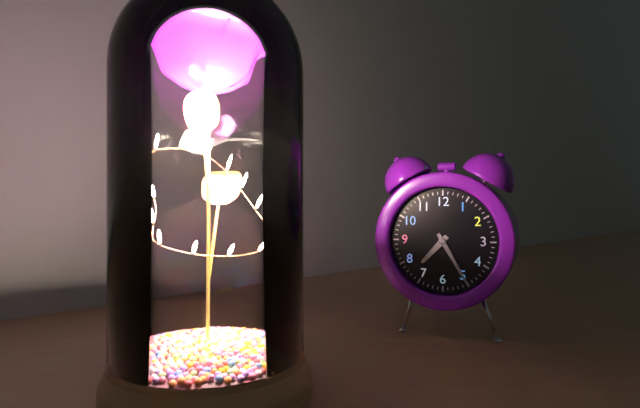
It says 7:25
